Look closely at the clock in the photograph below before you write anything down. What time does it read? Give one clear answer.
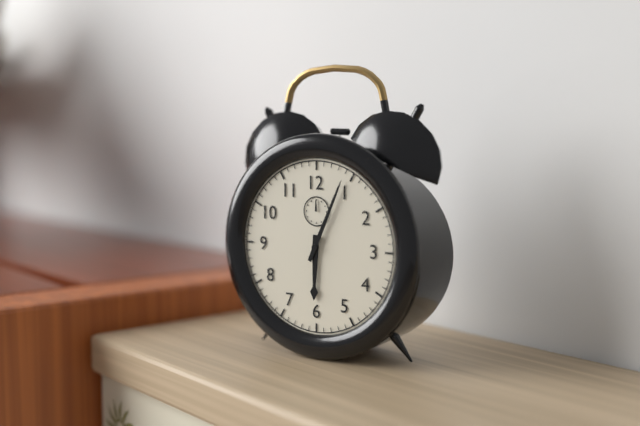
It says 6:04
